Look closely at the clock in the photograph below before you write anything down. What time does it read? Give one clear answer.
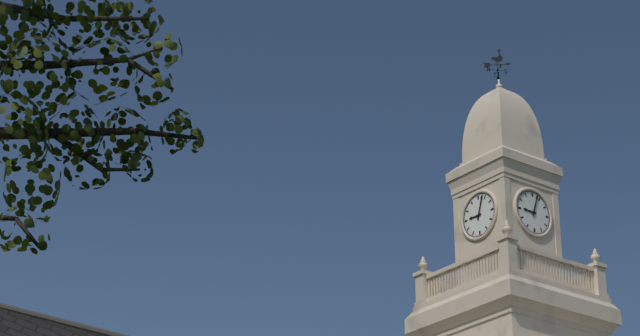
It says 9:03
